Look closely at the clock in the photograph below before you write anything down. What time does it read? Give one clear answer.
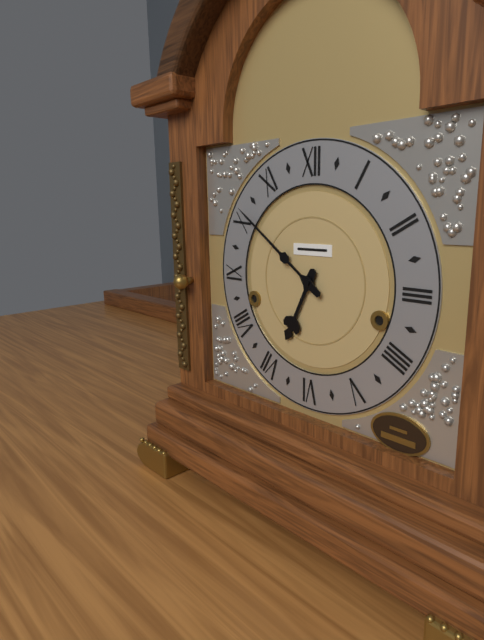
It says 6:51
